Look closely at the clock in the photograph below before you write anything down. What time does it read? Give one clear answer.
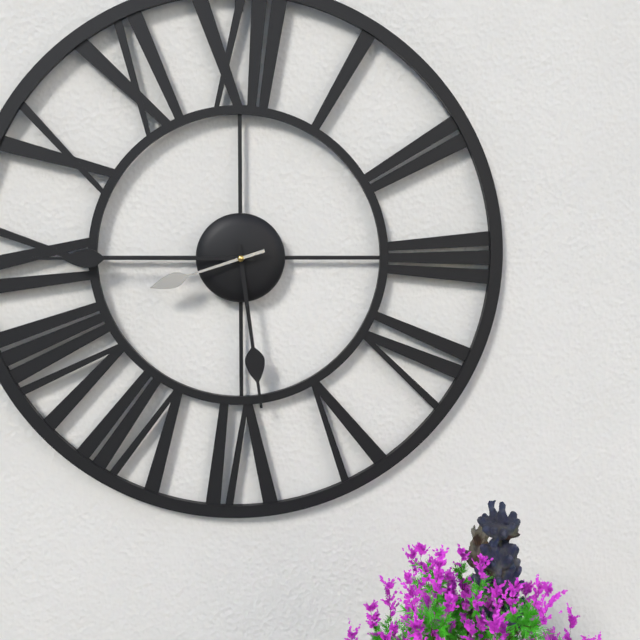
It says 5:45:42
